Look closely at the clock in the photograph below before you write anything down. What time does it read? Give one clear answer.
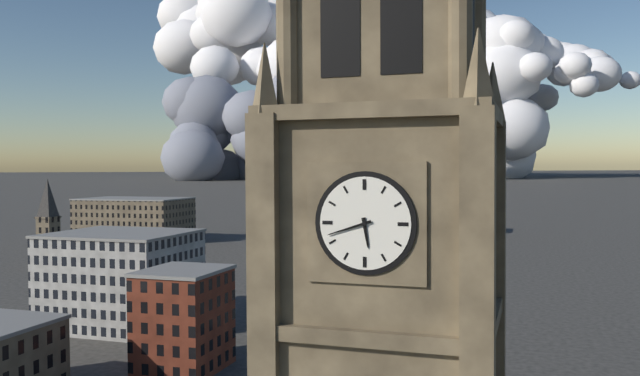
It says 5:42
